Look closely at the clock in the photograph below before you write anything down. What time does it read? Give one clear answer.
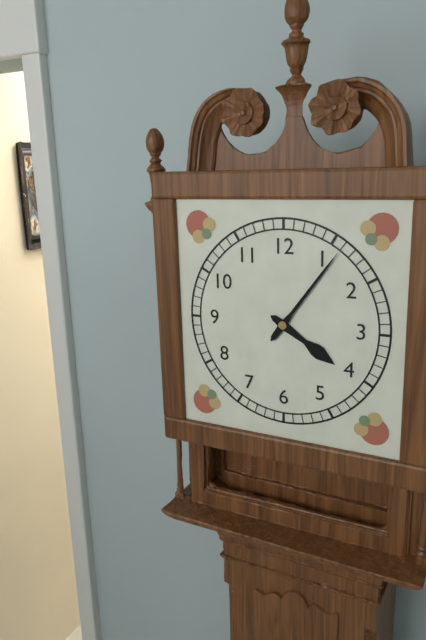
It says 4:06
